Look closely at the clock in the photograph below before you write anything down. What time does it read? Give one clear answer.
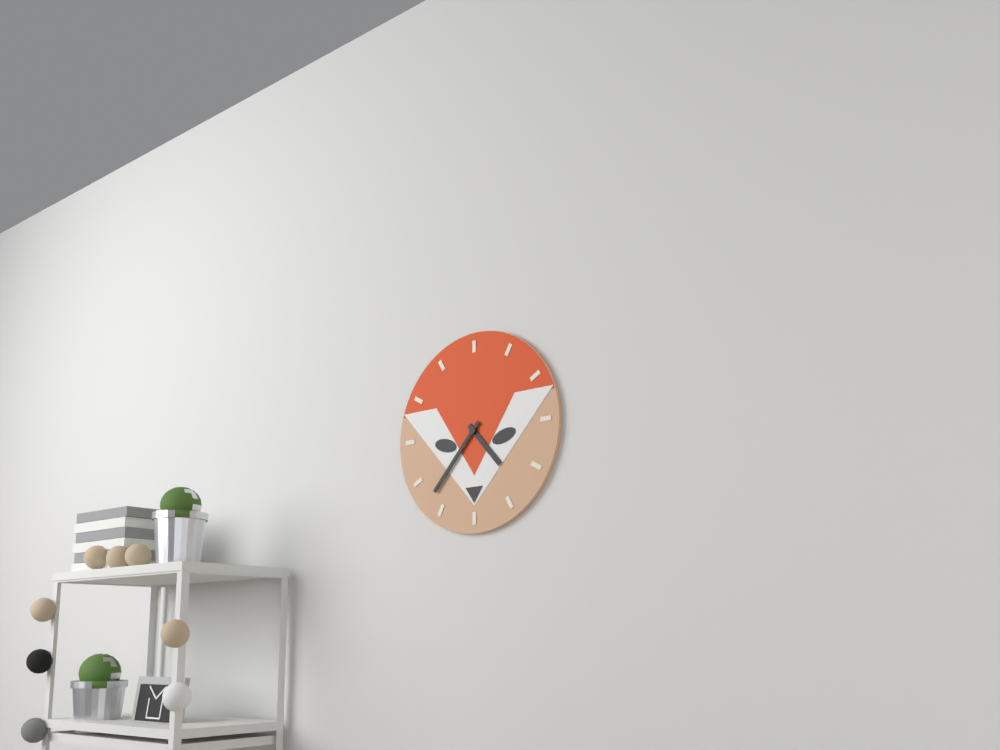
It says 4:37
